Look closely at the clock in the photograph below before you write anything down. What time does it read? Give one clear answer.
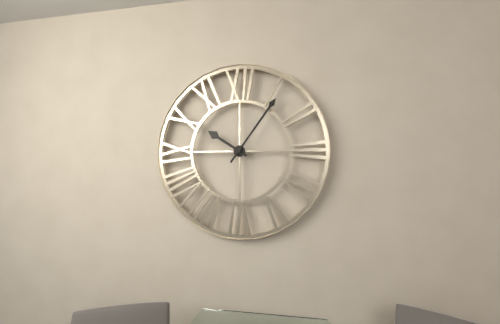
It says 10:06
